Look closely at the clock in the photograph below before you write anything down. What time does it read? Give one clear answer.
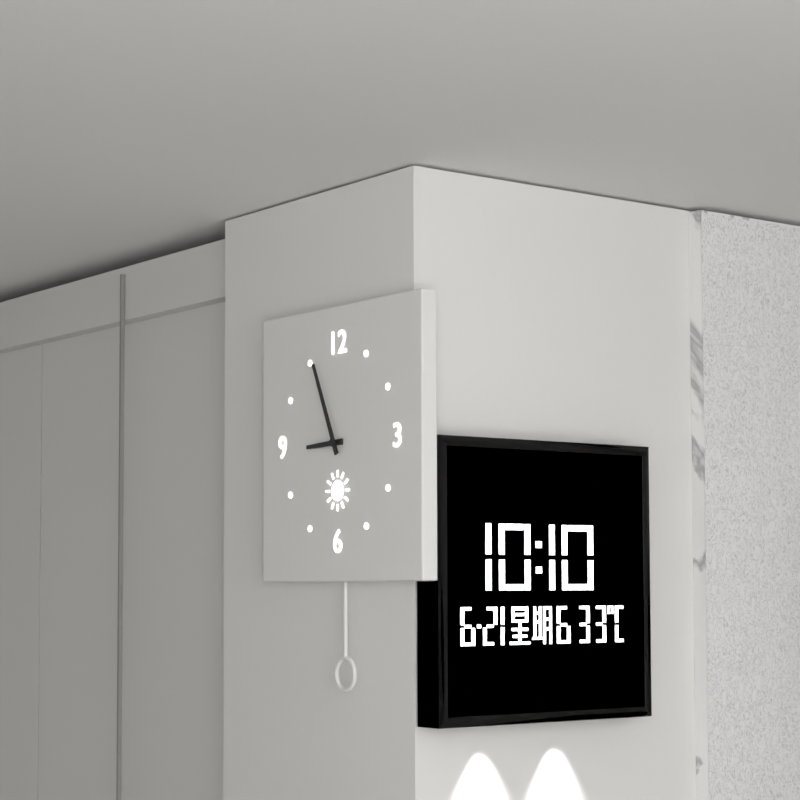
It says 8:56
